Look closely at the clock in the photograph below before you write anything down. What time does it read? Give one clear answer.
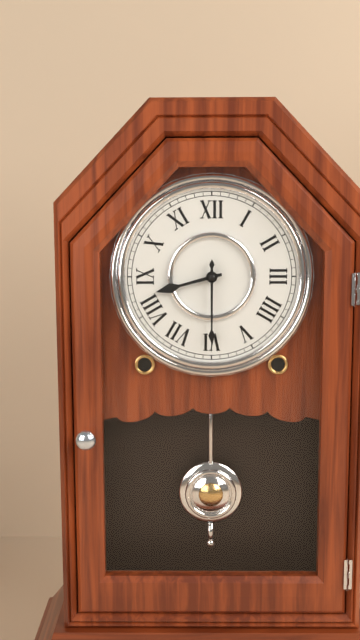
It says 8:30
